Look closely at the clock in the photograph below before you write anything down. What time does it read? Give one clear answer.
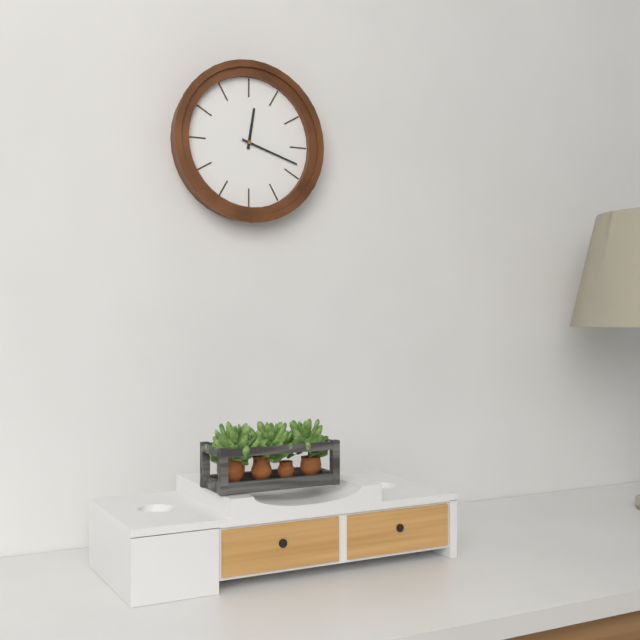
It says 12:18
